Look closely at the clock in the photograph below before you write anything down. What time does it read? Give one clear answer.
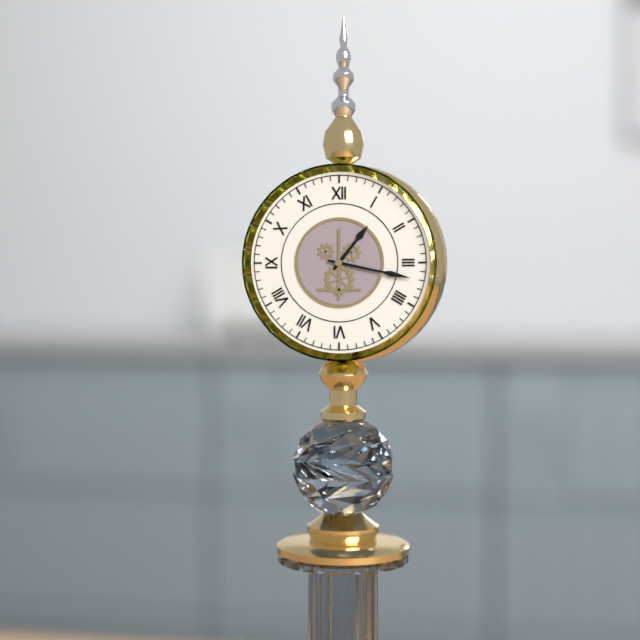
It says 1:17
